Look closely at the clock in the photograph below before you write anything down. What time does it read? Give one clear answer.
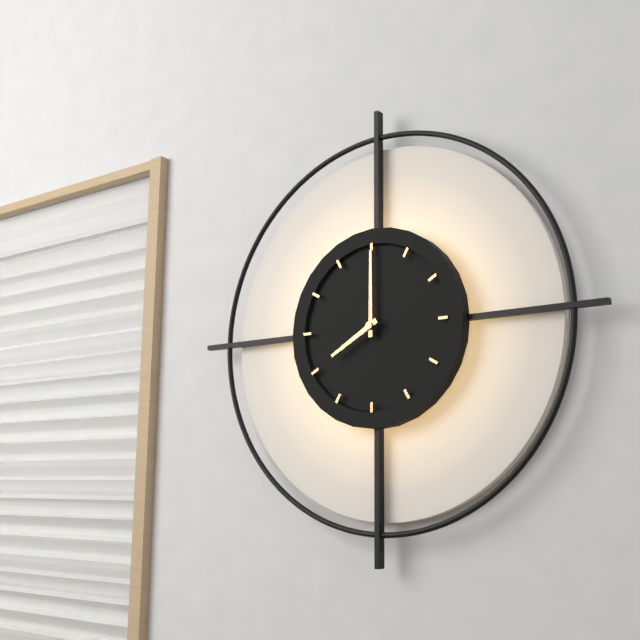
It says 8:00
